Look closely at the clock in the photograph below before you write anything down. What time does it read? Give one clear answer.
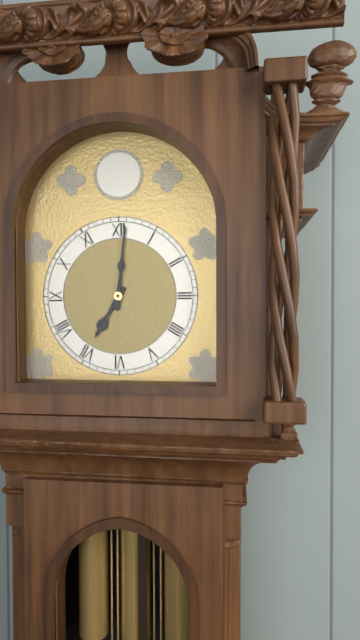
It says 7:01
